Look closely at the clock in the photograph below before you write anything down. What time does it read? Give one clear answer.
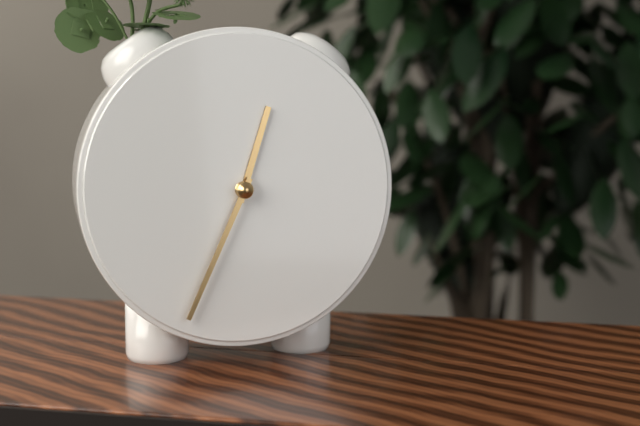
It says 12:34
